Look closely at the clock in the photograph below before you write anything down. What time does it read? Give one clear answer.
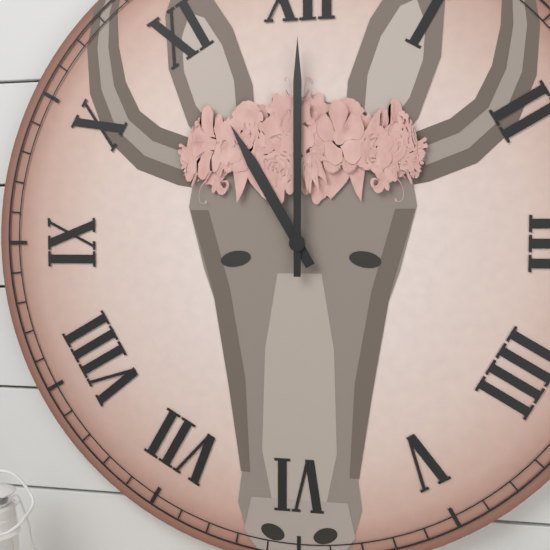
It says 11:00
